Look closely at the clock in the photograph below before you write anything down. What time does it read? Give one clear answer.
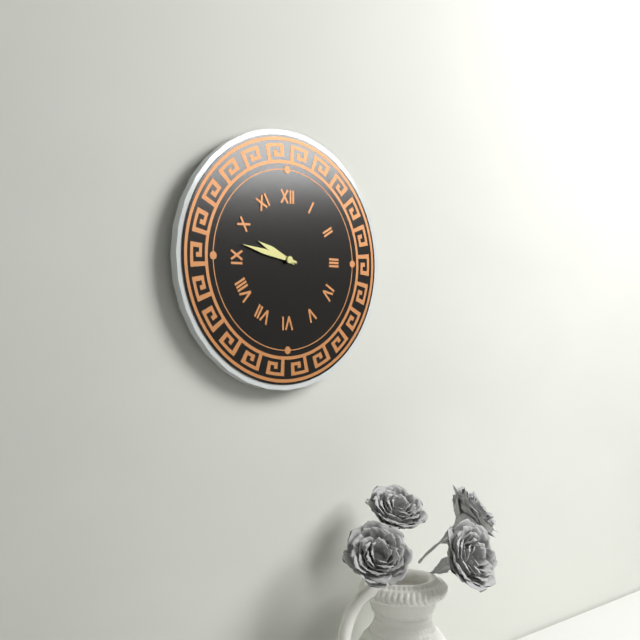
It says 9:47
